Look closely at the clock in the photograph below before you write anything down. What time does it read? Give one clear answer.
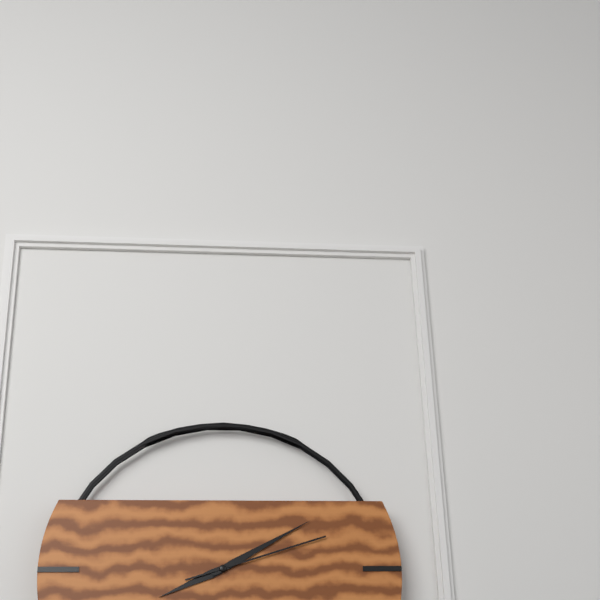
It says 8:10:12
